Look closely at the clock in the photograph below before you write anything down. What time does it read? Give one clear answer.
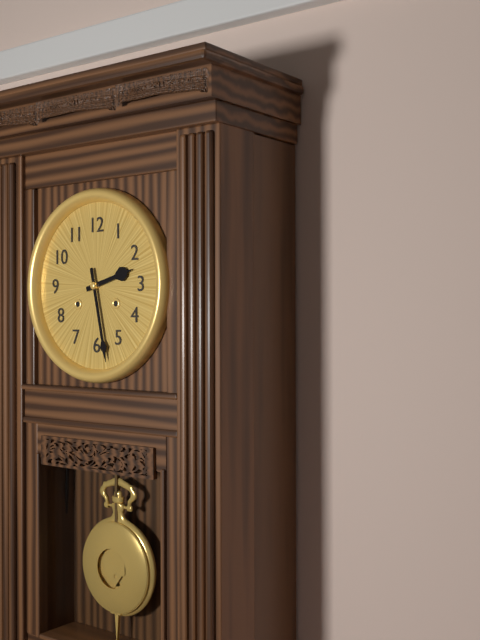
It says 2:28
